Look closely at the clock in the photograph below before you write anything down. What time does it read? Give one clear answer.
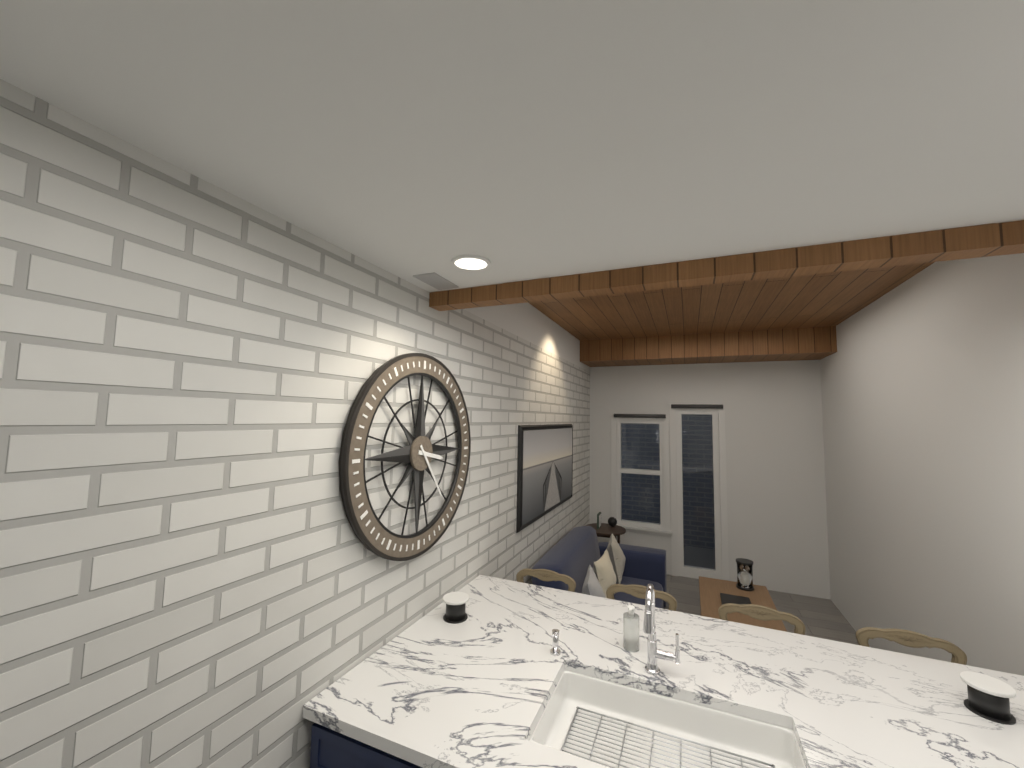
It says 3:24
